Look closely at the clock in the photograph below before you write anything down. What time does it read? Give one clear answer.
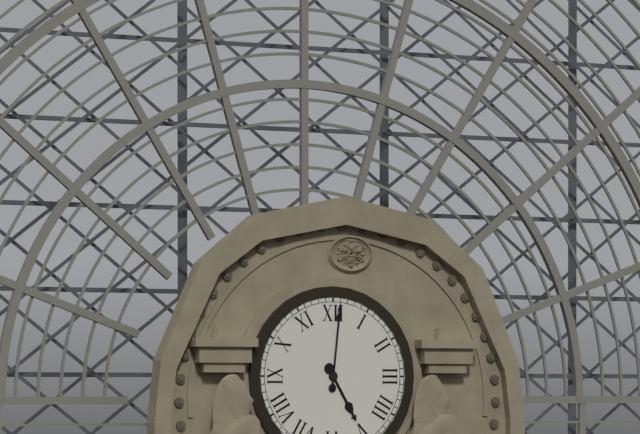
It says 5:01
